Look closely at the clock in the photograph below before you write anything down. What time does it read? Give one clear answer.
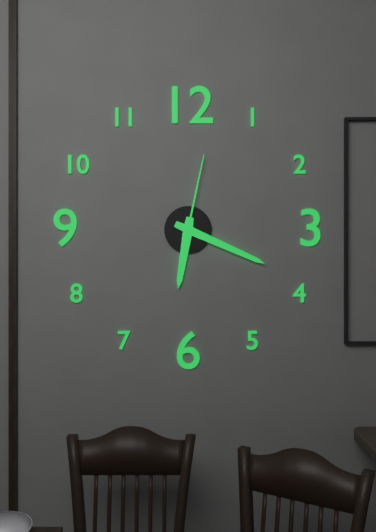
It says 6:19:02
